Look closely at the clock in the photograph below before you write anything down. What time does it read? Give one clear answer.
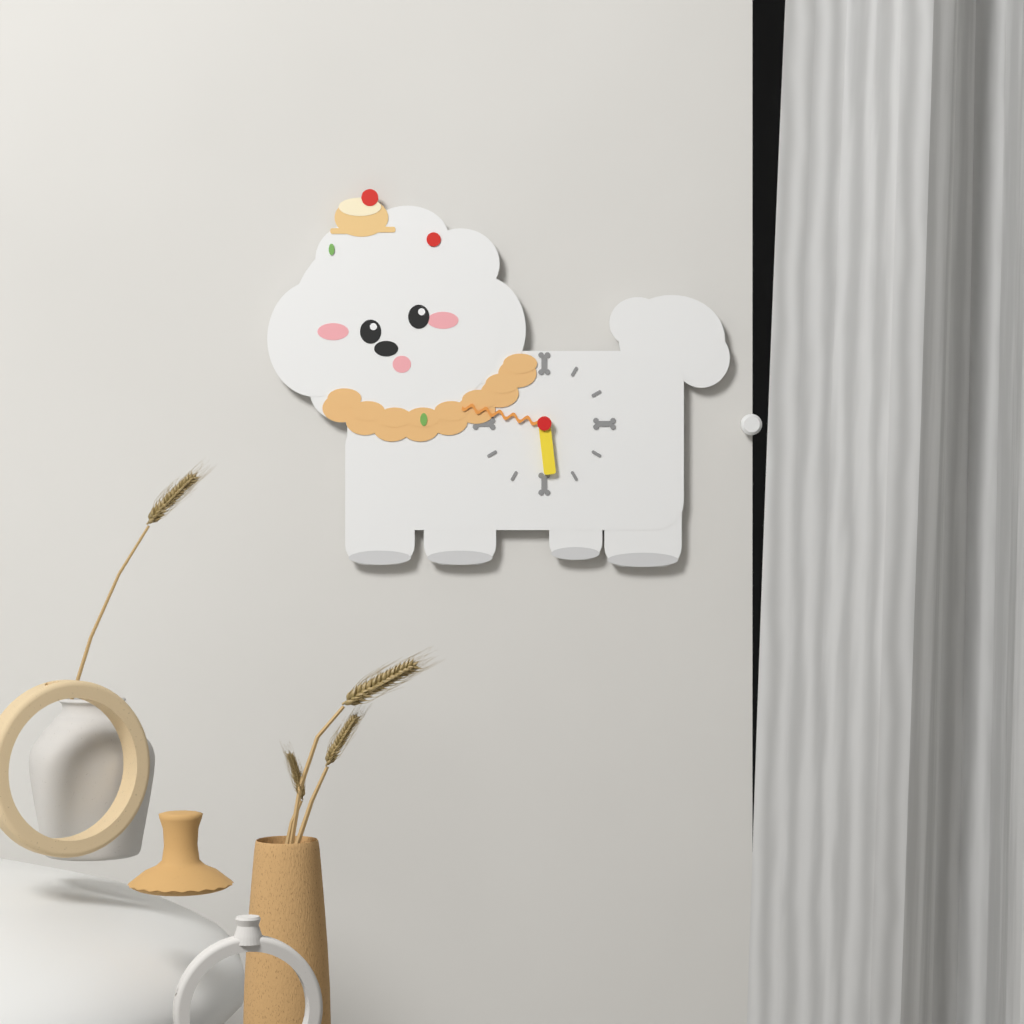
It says 5:47
